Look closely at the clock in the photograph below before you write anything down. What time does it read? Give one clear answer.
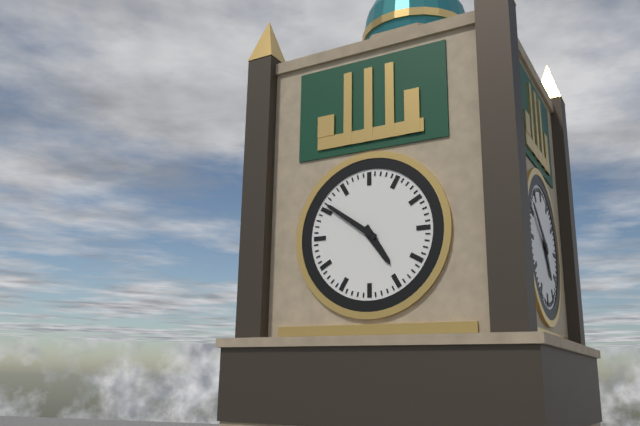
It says 4:51
